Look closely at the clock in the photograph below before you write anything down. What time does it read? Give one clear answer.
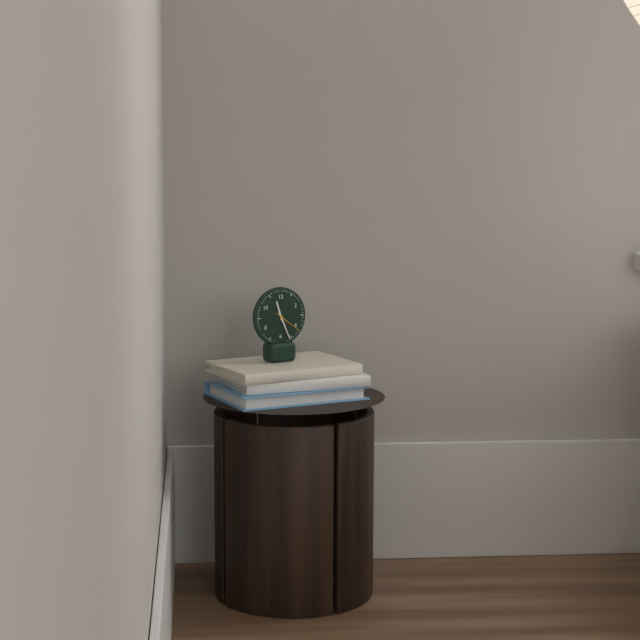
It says 11:26
